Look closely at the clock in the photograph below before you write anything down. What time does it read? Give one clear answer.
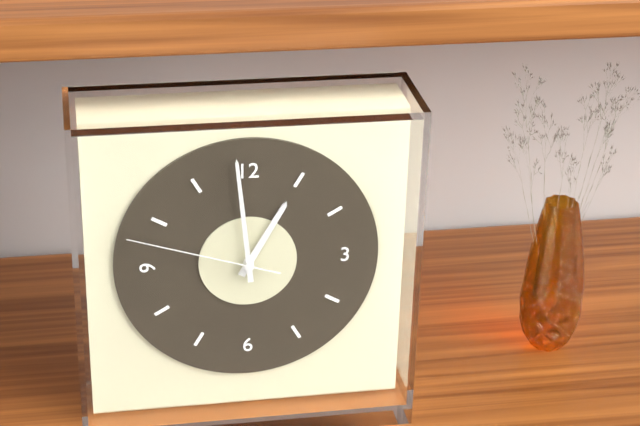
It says 12:59:48
